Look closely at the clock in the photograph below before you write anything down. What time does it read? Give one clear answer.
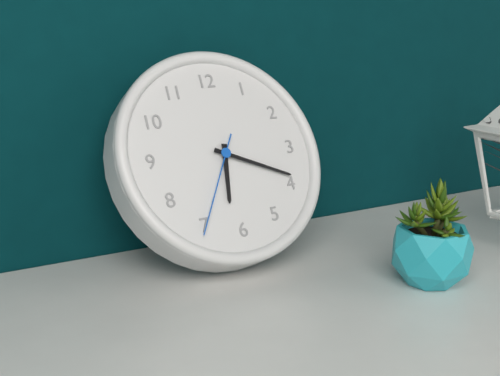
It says 6:19:35
